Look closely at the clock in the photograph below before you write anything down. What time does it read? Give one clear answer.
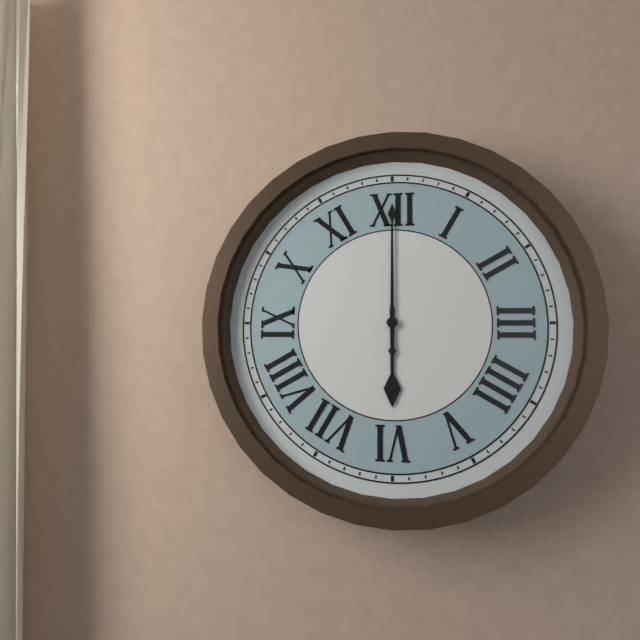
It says 6:00
